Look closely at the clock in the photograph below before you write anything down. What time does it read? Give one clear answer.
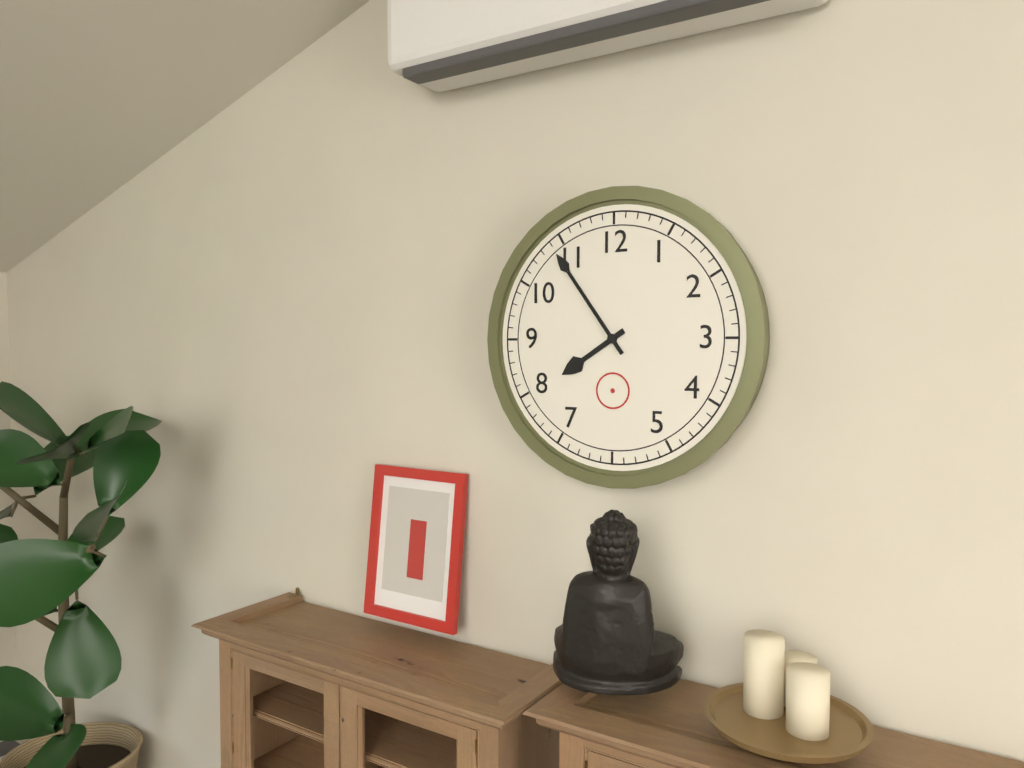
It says 7:54
